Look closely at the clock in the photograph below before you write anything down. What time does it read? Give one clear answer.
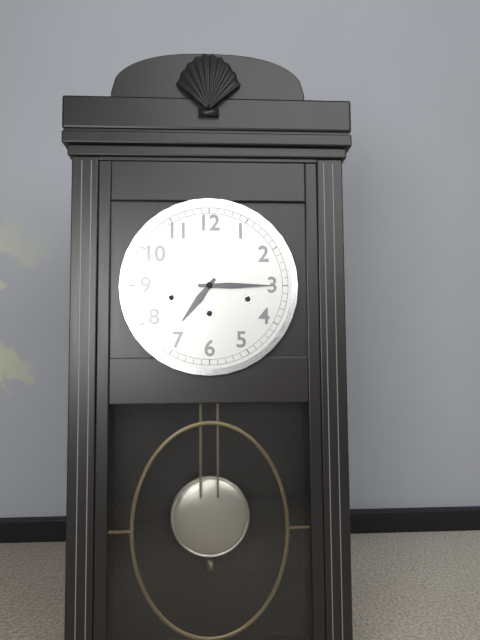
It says 7:15
